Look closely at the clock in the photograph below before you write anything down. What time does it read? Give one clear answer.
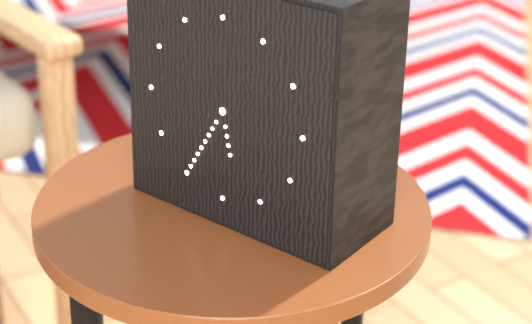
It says 5:35
